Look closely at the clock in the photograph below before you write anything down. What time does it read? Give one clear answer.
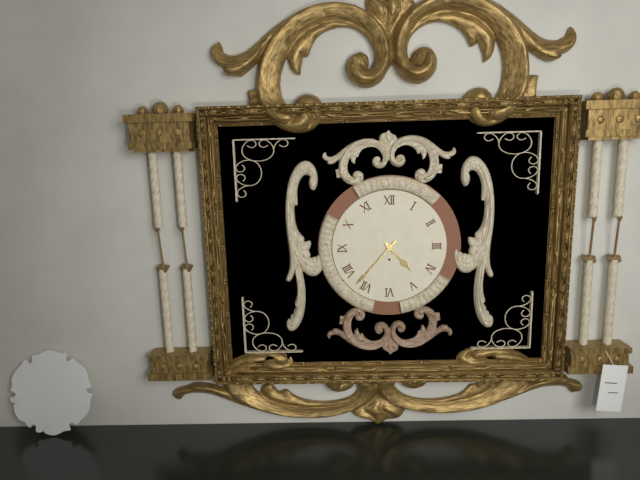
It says 4:37
